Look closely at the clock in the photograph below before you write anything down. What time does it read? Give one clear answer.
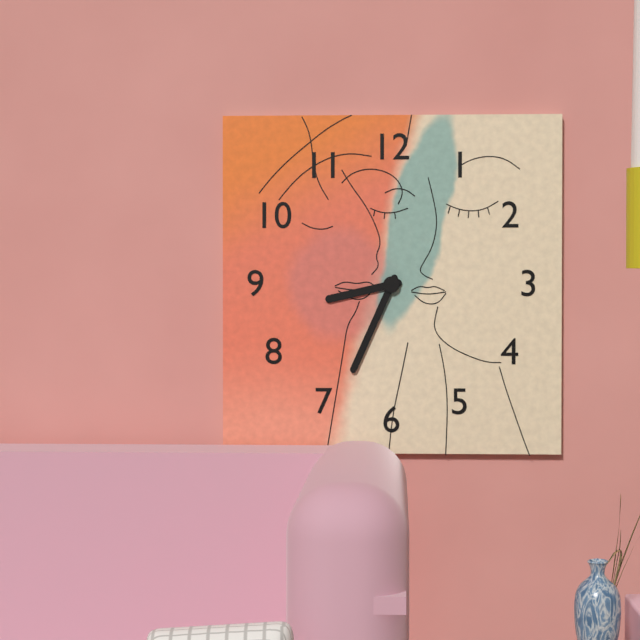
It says 8:34
